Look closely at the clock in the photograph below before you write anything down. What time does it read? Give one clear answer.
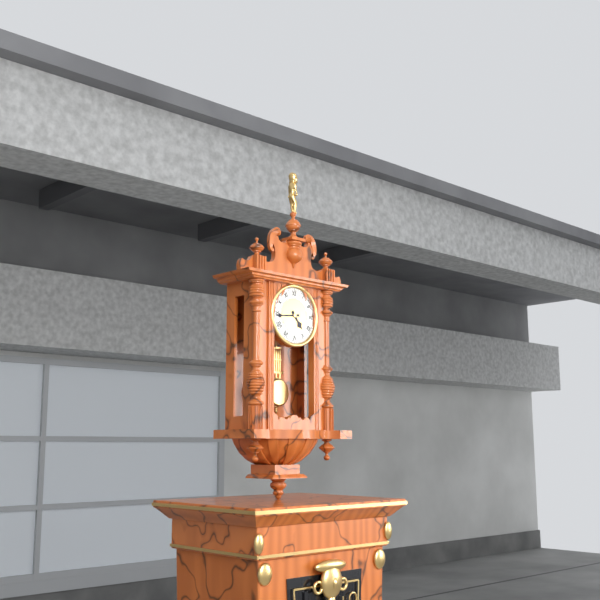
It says 4:44
